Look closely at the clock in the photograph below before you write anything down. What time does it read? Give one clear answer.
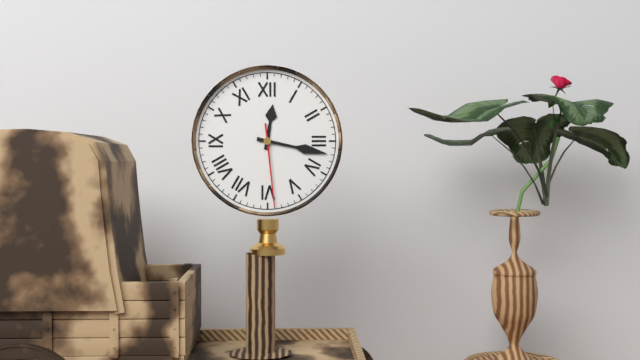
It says 12:17:29
